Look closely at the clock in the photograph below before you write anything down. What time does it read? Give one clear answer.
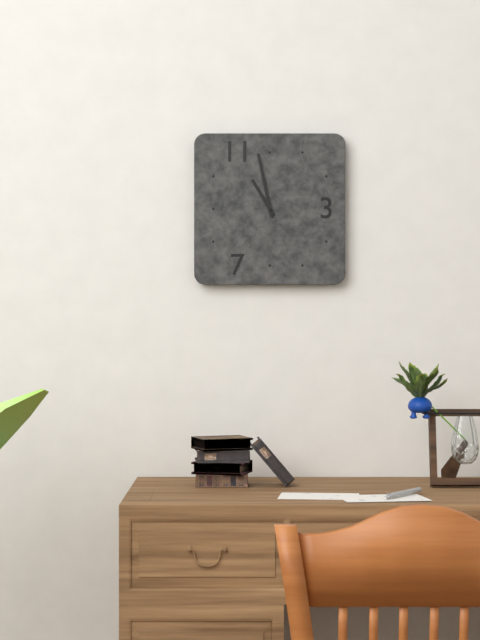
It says 10:58
